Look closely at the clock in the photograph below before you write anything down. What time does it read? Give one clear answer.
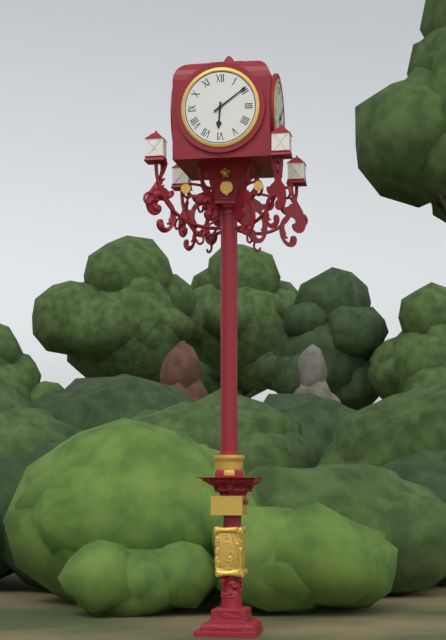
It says 6:09
